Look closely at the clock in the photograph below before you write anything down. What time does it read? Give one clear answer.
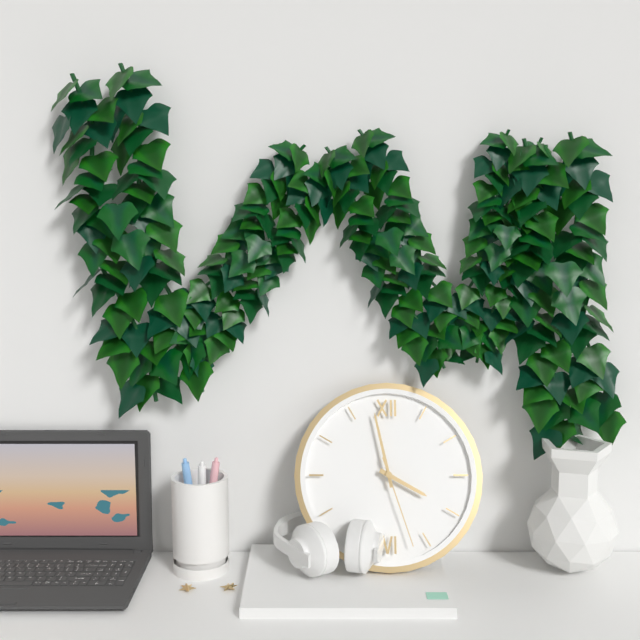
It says 3:58:27
